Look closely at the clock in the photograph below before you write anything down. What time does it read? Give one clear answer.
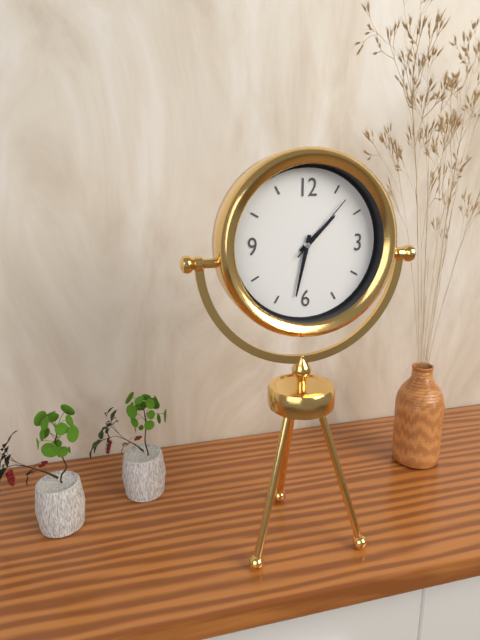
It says 1:32:07
